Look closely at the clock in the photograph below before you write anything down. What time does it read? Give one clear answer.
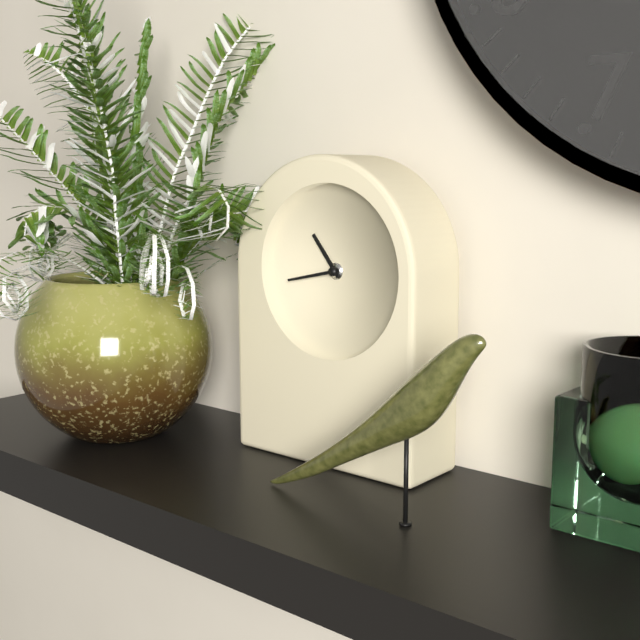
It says 10:43
